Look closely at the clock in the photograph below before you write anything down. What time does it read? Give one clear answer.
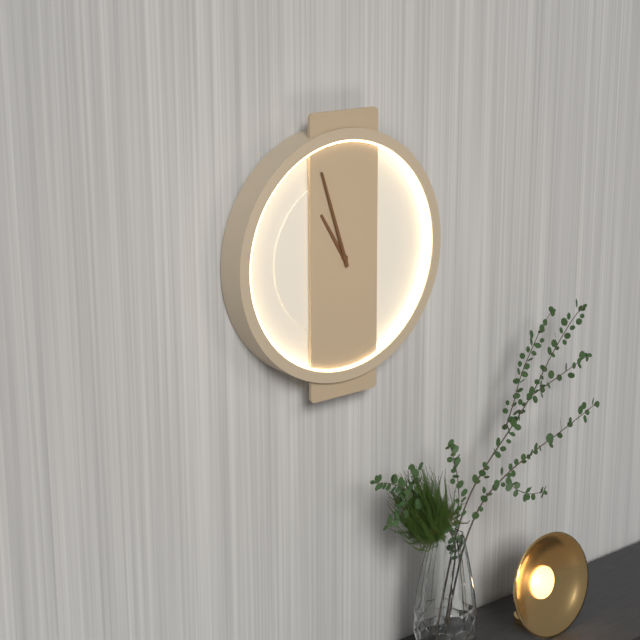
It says 10:57
